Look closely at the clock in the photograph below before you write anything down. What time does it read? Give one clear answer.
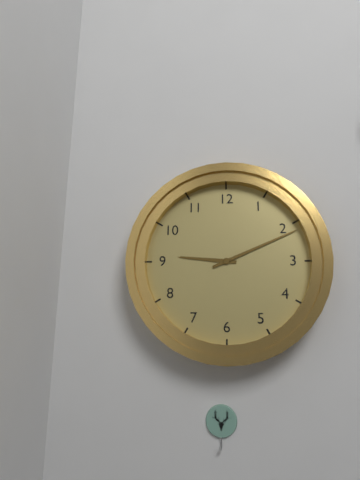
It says 9:11
